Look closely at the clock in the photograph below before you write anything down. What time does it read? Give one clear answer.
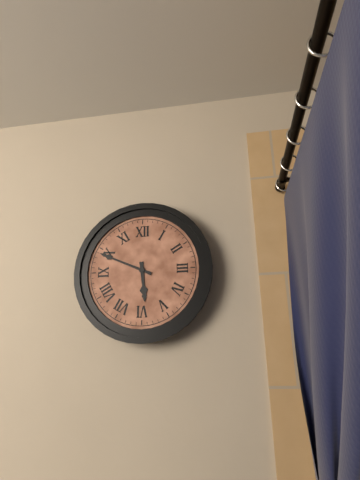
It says 5:49
